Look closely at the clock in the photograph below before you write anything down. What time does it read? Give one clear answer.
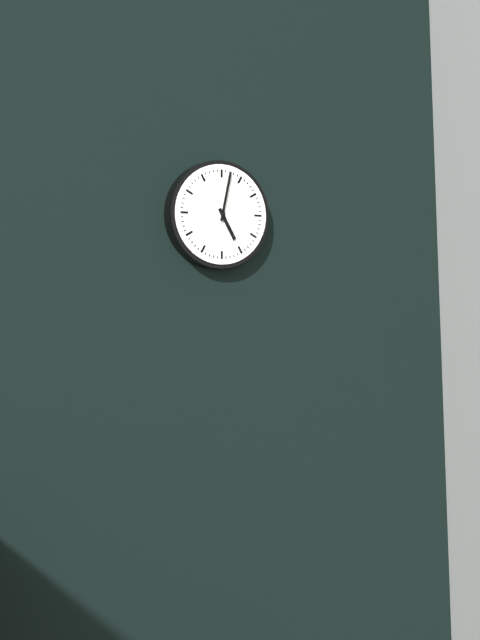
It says 5:02
